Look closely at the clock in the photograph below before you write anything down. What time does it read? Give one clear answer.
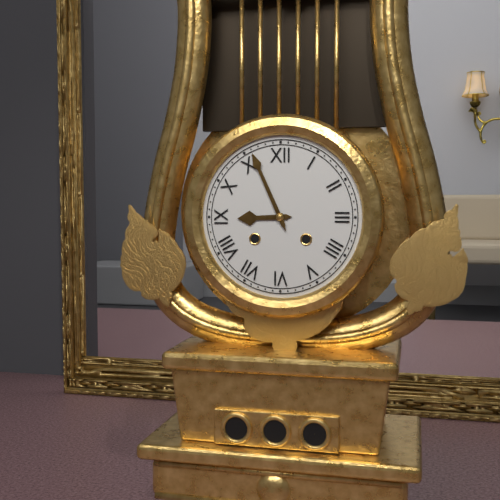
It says 8:56
